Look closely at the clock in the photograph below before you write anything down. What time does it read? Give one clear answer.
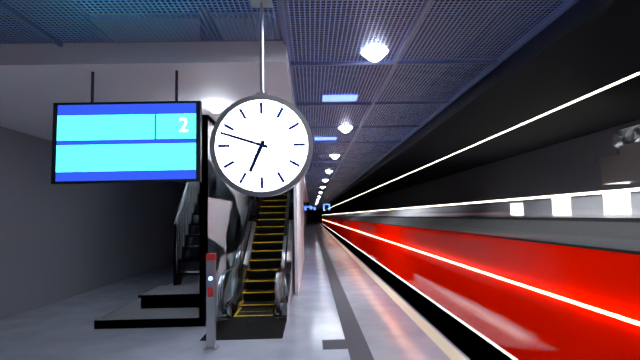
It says 6:48
